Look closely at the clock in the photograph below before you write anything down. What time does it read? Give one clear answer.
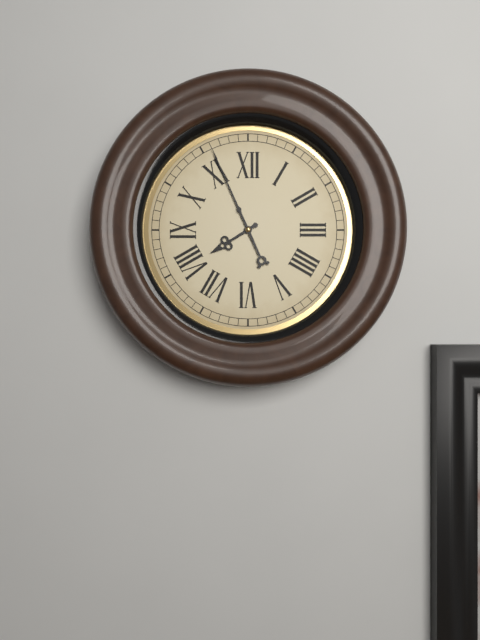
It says 7:56
